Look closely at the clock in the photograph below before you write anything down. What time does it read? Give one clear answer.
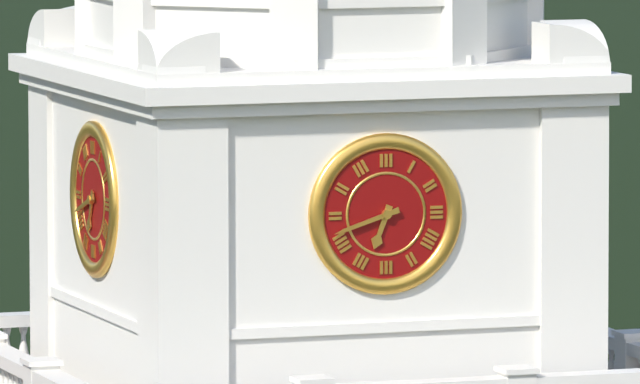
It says 6:42
